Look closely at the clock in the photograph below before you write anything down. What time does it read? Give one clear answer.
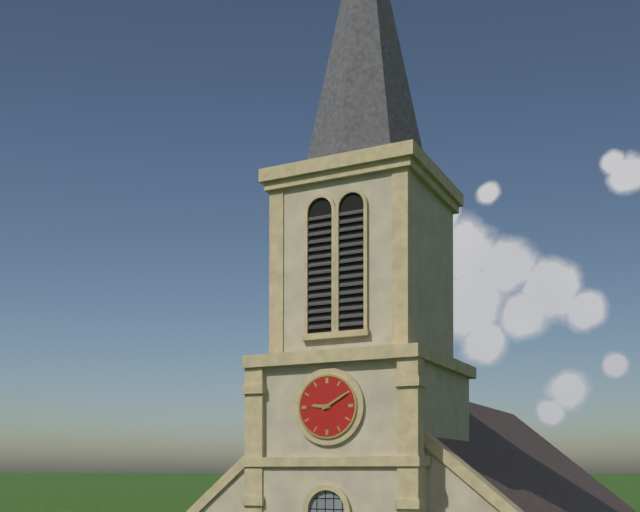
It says 9:10
